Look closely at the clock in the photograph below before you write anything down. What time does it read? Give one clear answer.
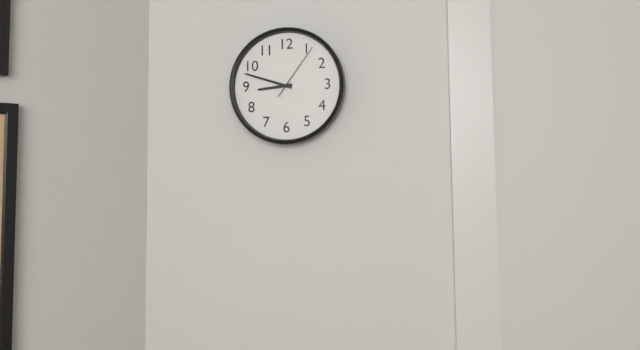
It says 8:48:06
